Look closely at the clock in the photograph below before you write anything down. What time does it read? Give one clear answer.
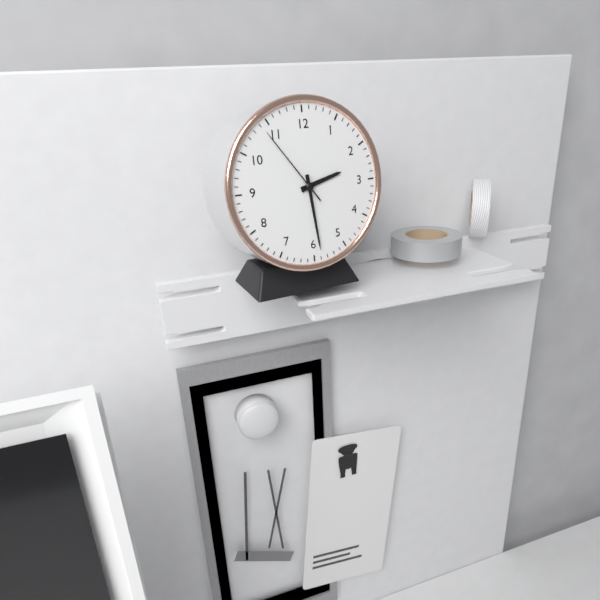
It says 2:29:54
